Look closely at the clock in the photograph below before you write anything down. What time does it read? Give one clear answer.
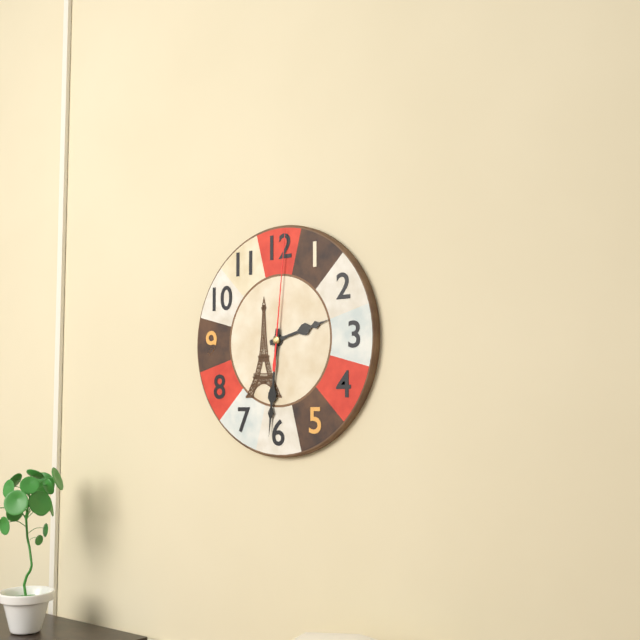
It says 2:31:01
